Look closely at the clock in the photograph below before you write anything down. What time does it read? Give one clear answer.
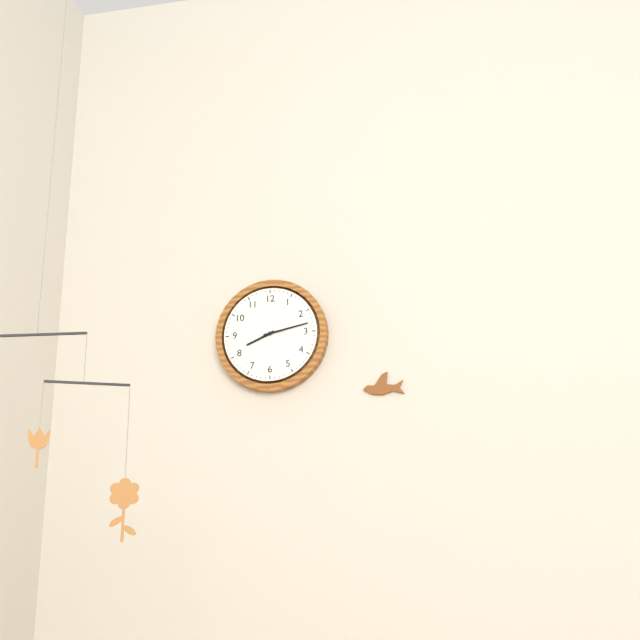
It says 8:13
